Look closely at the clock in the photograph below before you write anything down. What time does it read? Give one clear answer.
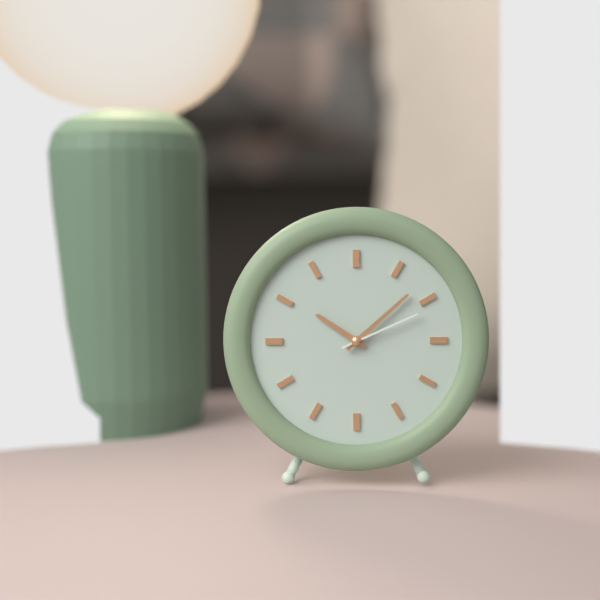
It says 10:08:11
